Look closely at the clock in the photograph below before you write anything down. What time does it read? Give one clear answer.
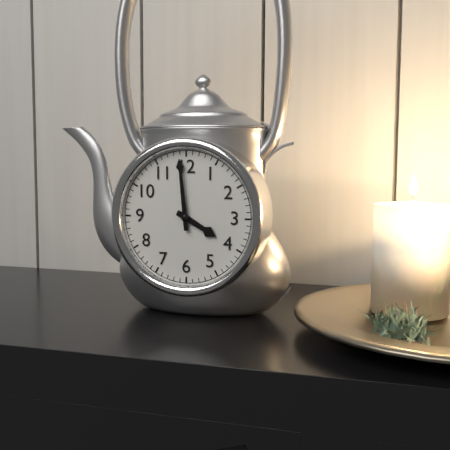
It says 3:59
